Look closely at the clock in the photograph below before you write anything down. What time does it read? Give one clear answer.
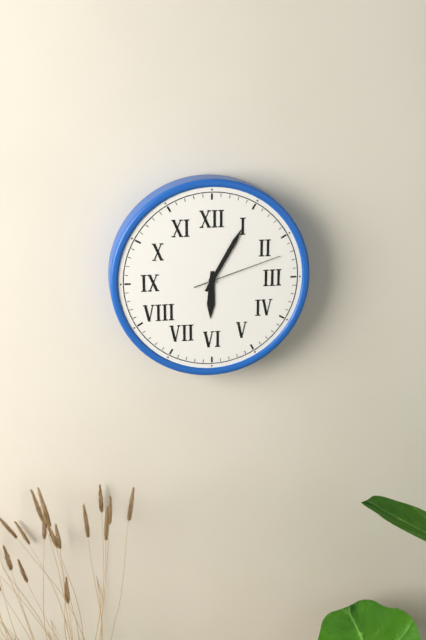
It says 6:05:12
